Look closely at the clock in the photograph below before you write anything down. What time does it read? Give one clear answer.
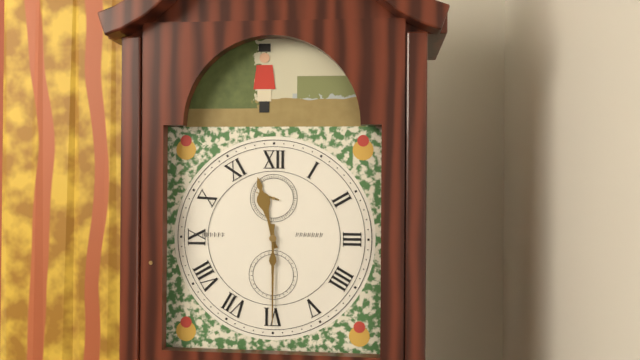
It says 11:30
